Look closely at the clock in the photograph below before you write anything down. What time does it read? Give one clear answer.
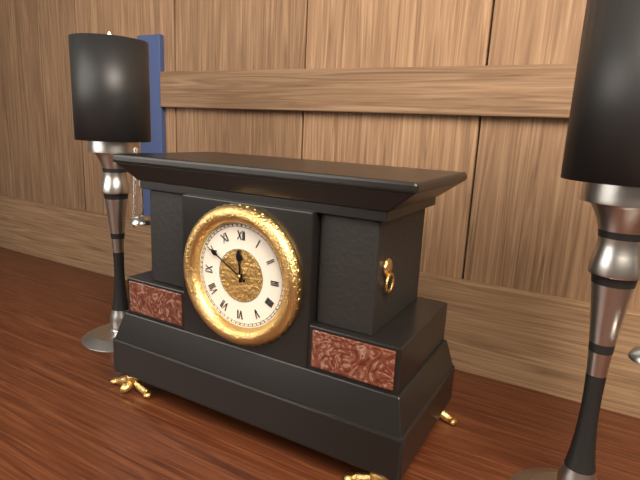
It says 11:50
